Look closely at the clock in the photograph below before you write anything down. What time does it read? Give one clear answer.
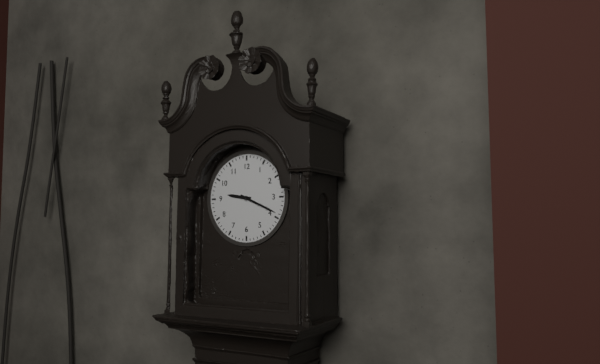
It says 9:19
